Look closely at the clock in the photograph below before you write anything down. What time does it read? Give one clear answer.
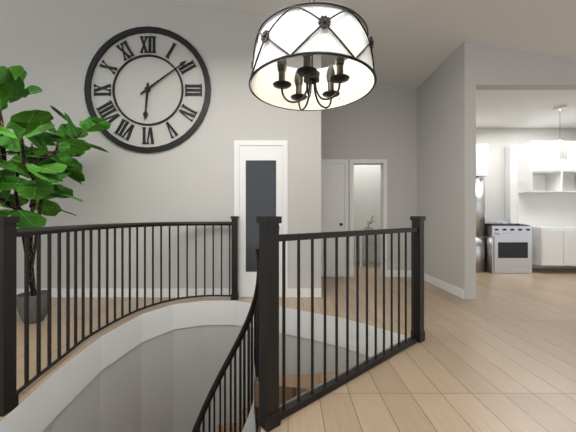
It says 6:09
